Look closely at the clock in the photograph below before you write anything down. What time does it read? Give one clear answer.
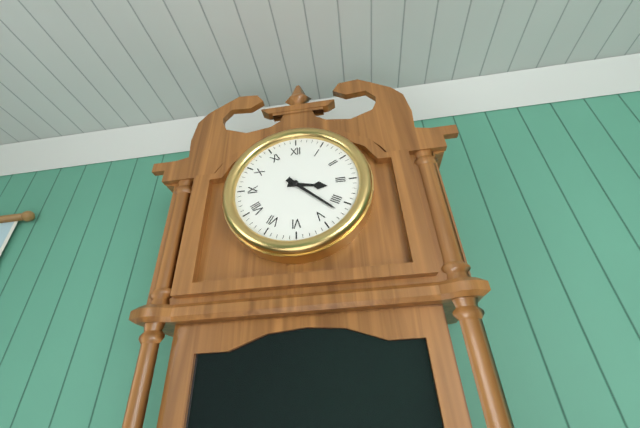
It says 3:22
